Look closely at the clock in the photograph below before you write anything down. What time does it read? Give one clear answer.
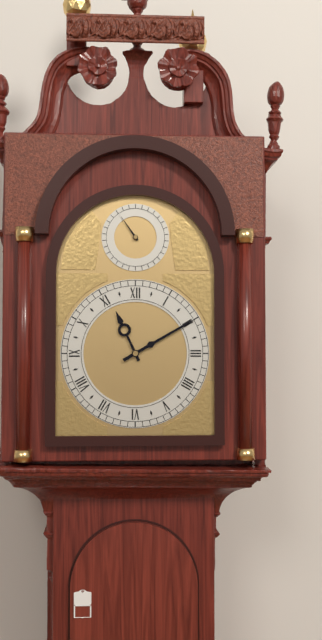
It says 11:10
